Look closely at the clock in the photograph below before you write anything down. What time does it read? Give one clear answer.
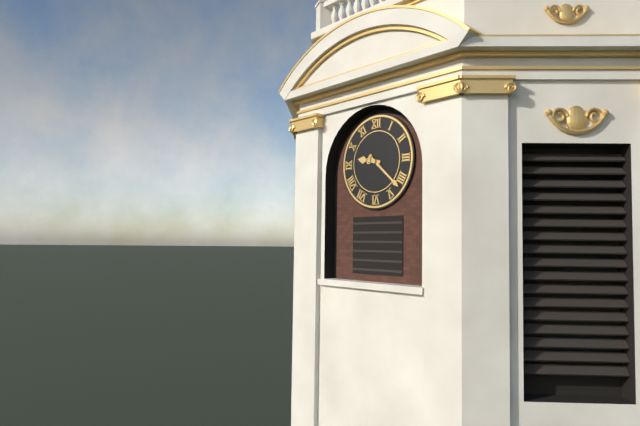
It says 9:22
